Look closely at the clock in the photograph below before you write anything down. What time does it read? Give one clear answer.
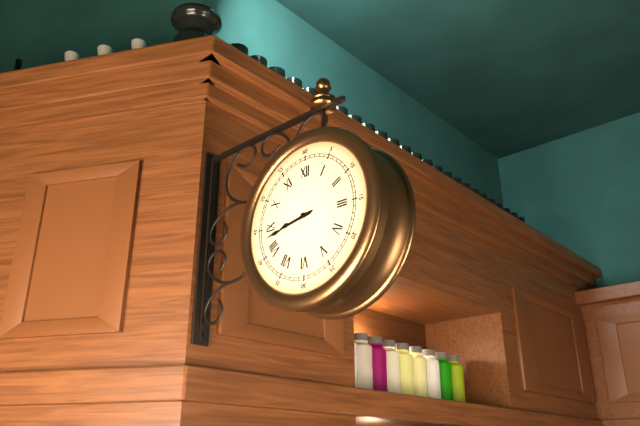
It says 8:43
